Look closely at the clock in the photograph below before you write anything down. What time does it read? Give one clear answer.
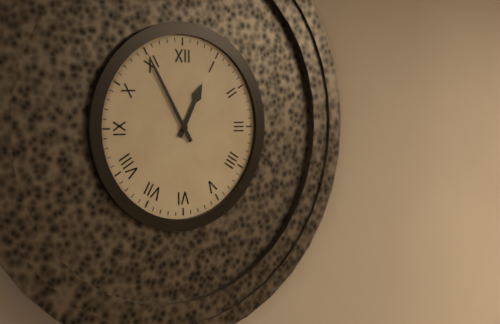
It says 12:55
